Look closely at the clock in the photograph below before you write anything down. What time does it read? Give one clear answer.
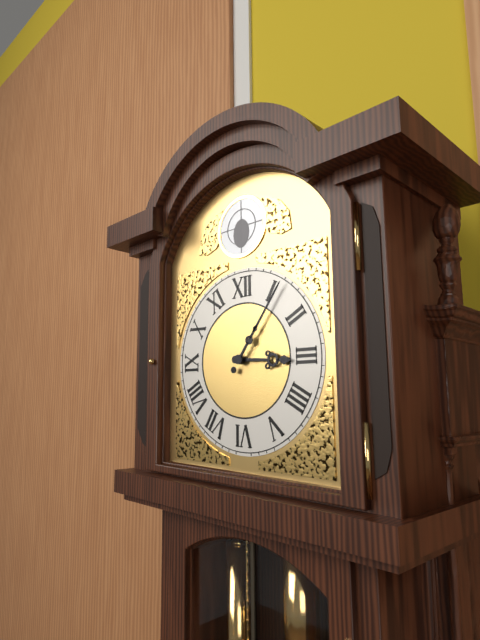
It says 3:06
